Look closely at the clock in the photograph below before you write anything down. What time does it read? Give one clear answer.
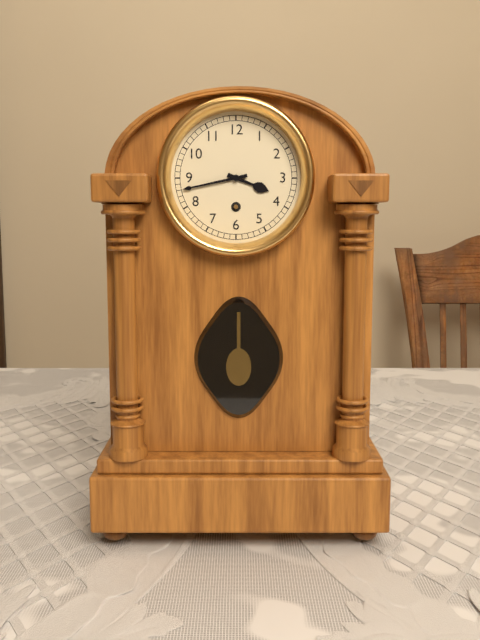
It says 3:43
